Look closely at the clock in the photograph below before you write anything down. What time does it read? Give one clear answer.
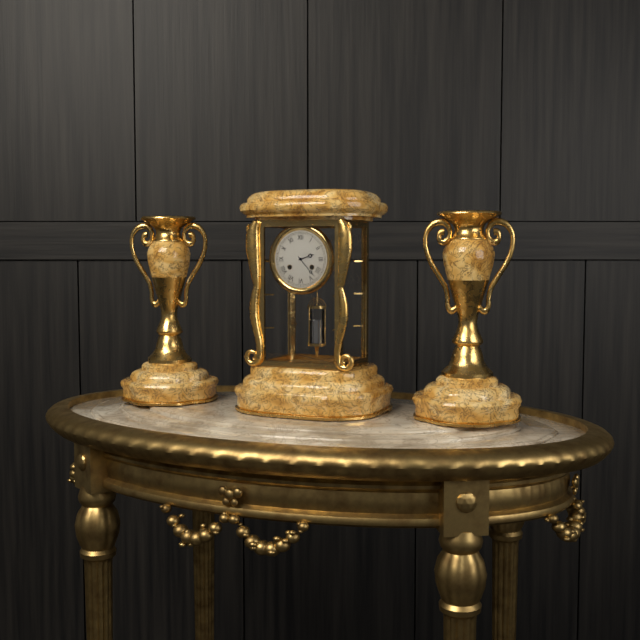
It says 2:23
